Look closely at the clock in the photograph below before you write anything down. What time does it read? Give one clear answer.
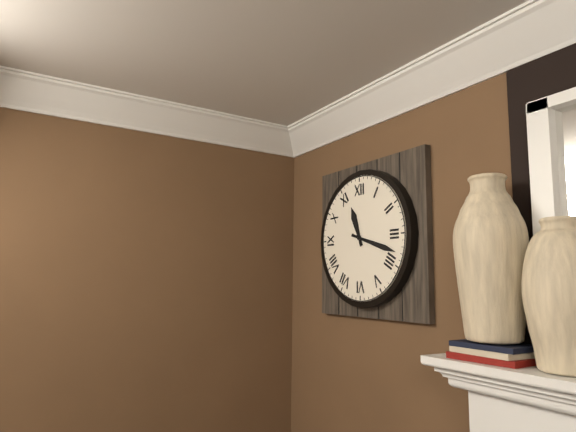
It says 11:18
